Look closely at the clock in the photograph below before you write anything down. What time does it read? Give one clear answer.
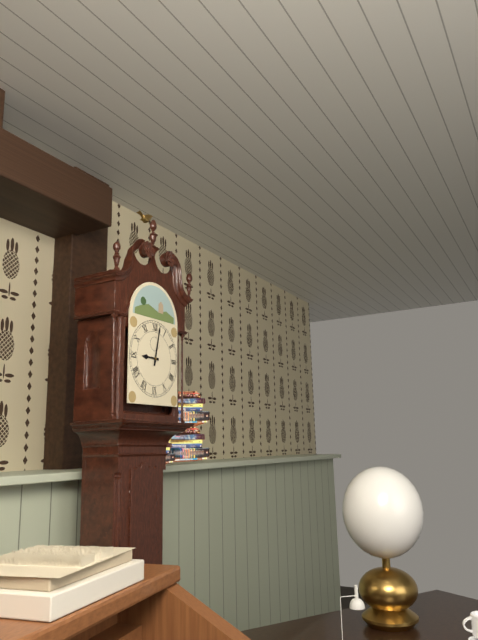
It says 9:02
